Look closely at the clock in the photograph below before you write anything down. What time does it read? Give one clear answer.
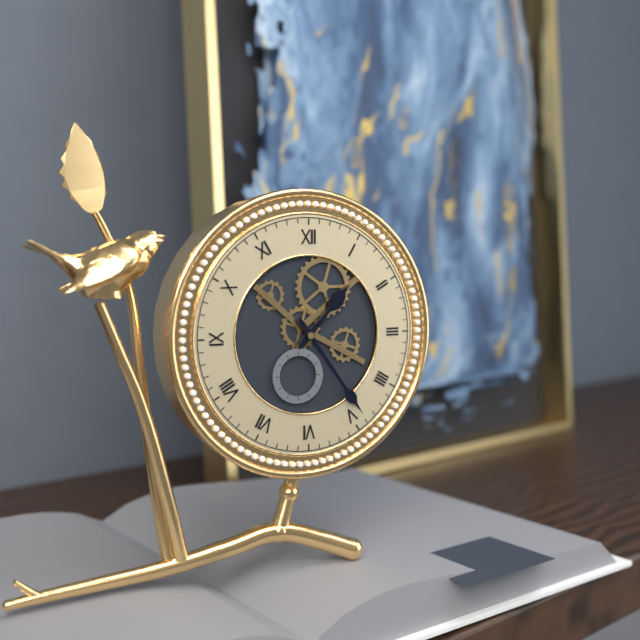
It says 1:24
